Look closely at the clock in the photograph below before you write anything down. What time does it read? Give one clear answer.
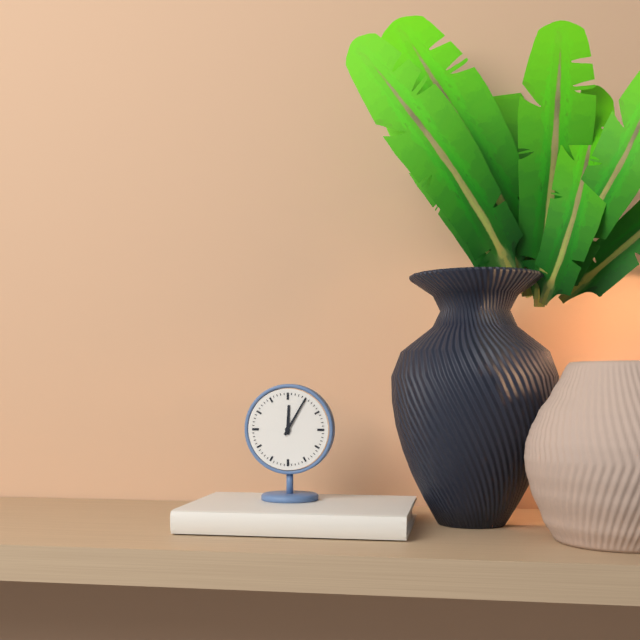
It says 12:05
